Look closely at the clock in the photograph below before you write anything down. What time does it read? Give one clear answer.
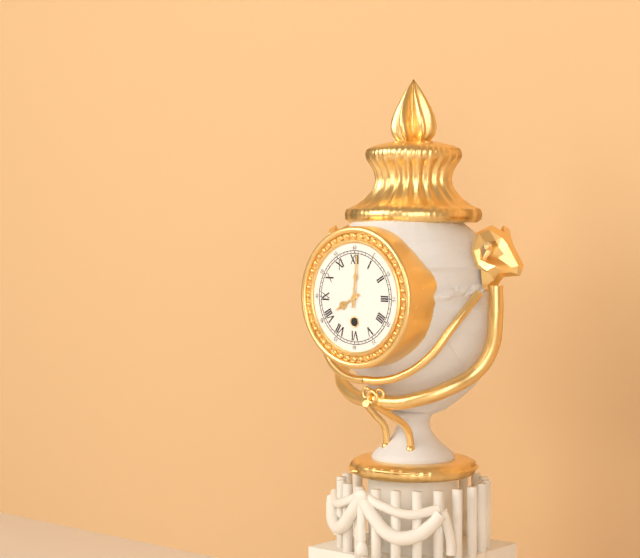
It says 8:01
